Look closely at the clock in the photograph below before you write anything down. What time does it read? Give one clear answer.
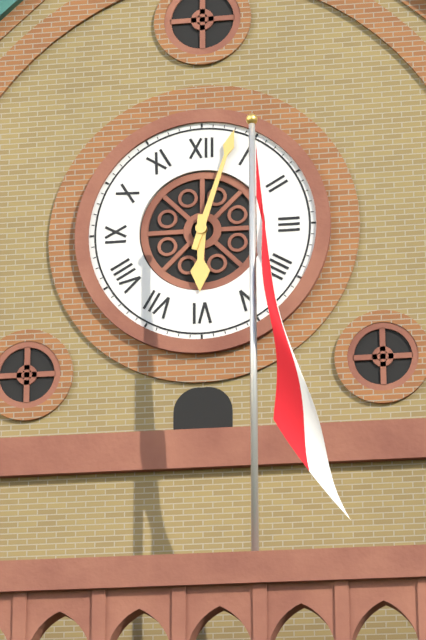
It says 6:03
